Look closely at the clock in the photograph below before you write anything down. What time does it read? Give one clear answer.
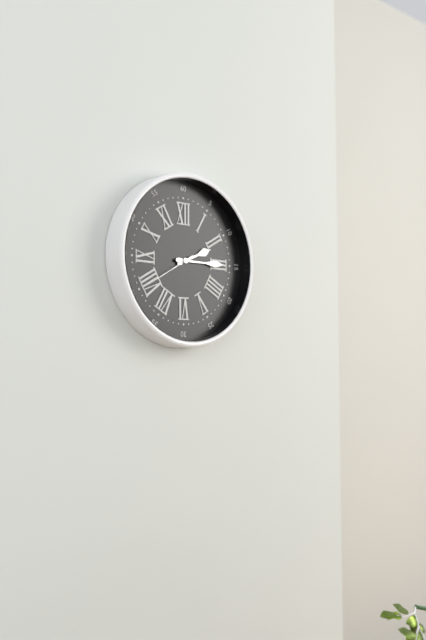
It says 2:15:40
